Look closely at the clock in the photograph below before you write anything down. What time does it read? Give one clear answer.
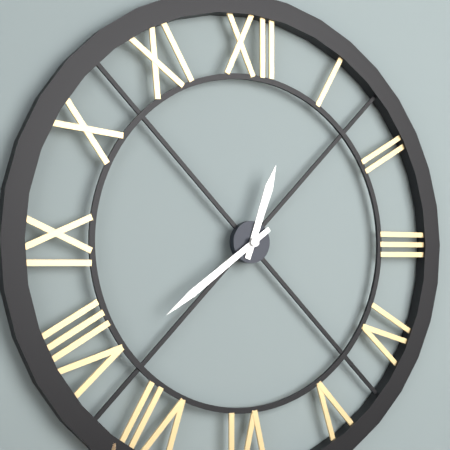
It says 12:39
